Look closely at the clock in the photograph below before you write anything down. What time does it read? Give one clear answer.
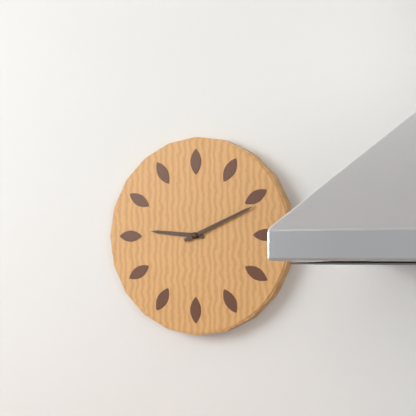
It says 9:11
